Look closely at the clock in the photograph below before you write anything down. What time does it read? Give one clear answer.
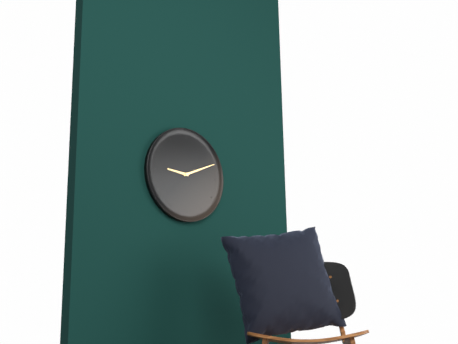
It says 9:11
